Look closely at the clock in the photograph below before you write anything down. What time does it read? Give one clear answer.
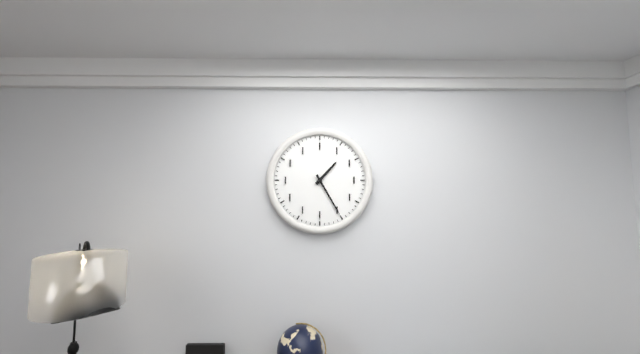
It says 1:25
